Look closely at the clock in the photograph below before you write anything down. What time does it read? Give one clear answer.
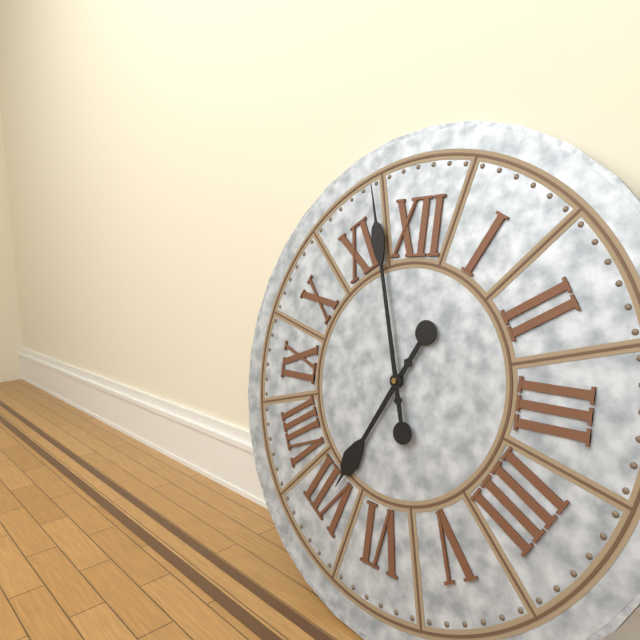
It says 6:57
